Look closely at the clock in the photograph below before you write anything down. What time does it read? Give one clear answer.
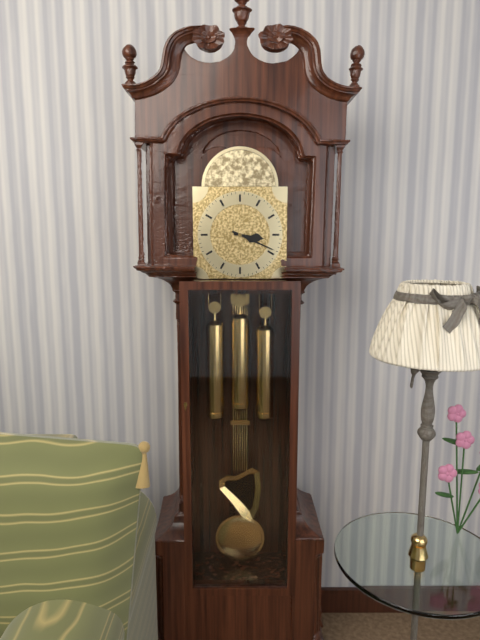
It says 3:19
